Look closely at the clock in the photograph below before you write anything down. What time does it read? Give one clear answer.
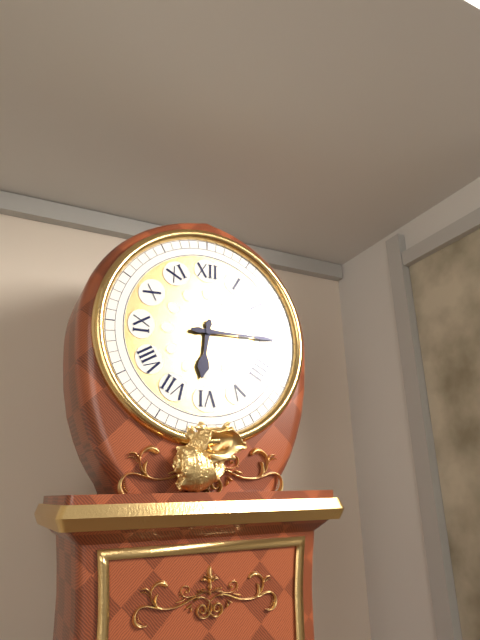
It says 6:15
